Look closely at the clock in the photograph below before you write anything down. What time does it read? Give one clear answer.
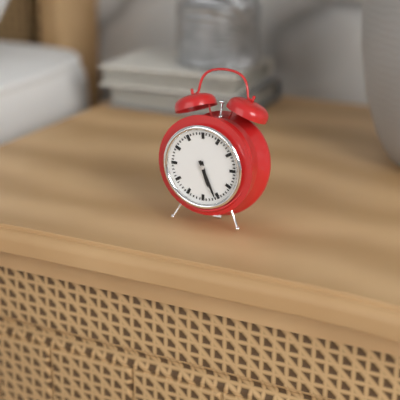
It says 5:26
